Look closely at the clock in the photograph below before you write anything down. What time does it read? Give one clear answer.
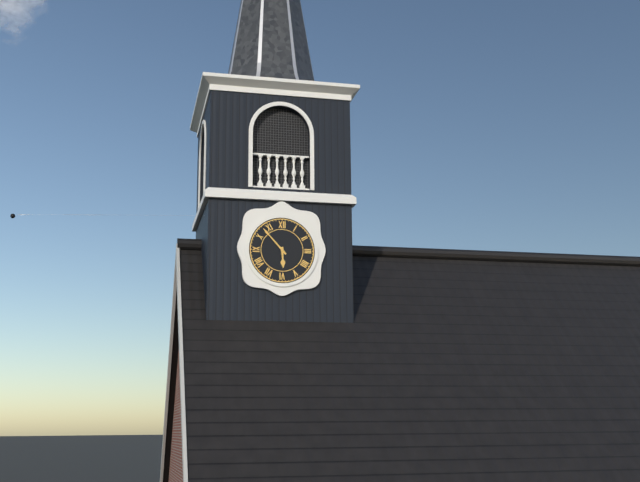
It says 5:53
